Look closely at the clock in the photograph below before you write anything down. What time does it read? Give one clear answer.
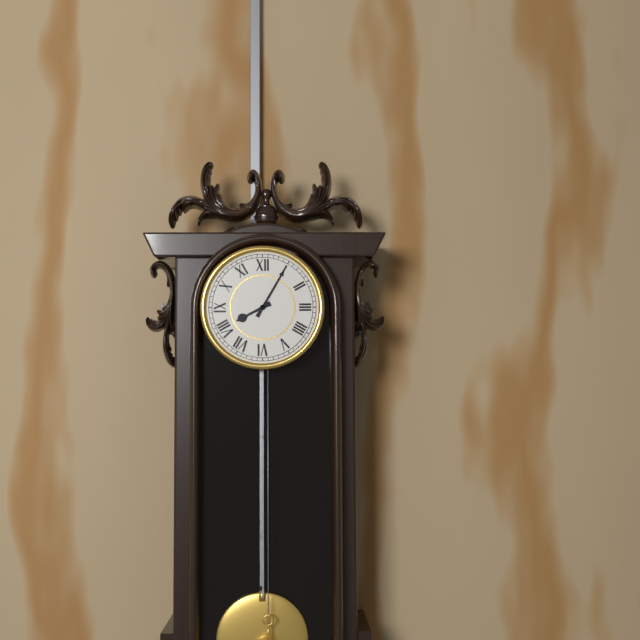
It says 8:05
